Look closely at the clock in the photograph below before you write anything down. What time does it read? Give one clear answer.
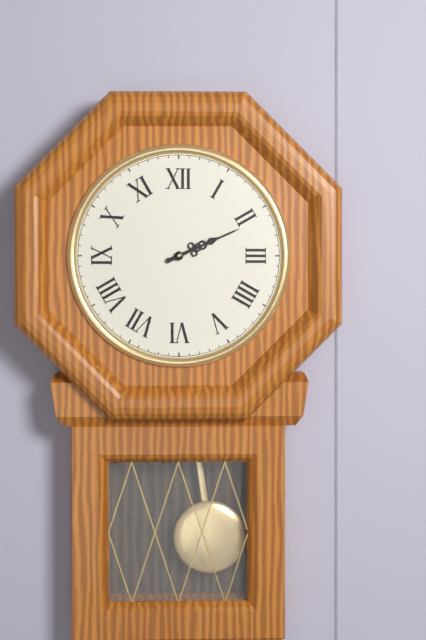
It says 2:11
